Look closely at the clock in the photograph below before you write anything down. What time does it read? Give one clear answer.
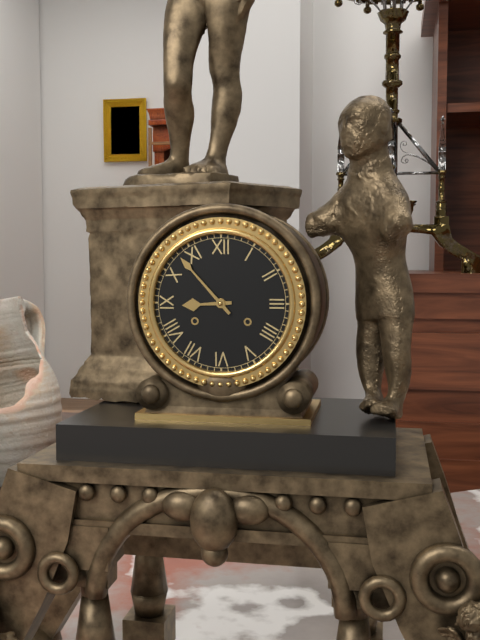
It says 8:53
